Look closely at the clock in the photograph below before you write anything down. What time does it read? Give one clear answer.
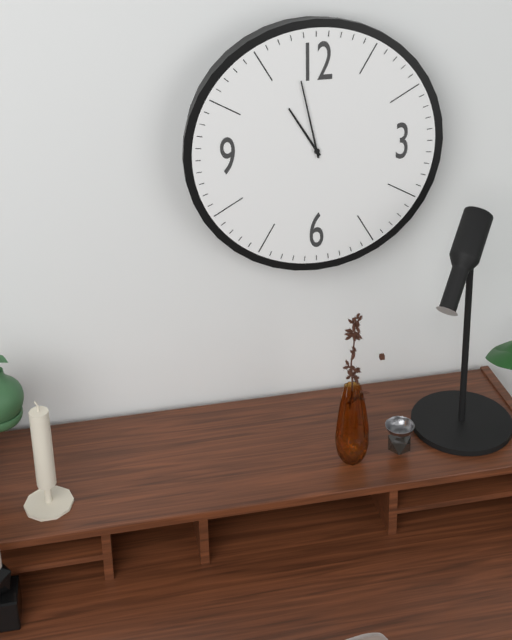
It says 10:58
